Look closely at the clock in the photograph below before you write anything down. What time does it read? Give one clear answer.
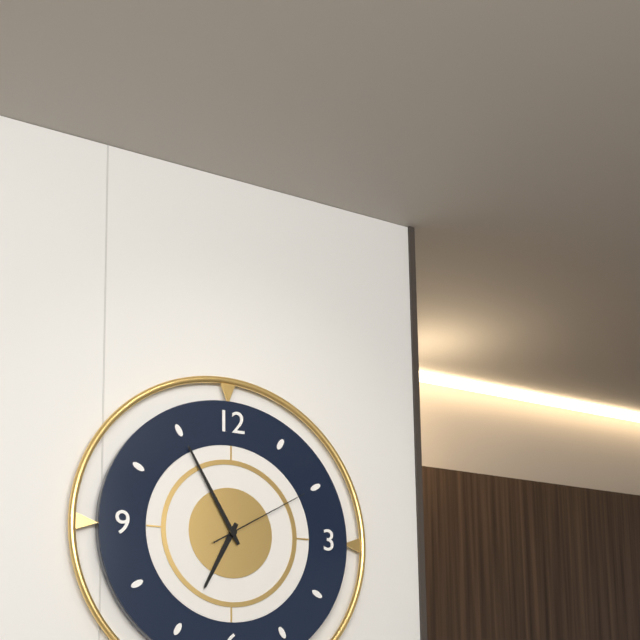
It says 6:55:10
